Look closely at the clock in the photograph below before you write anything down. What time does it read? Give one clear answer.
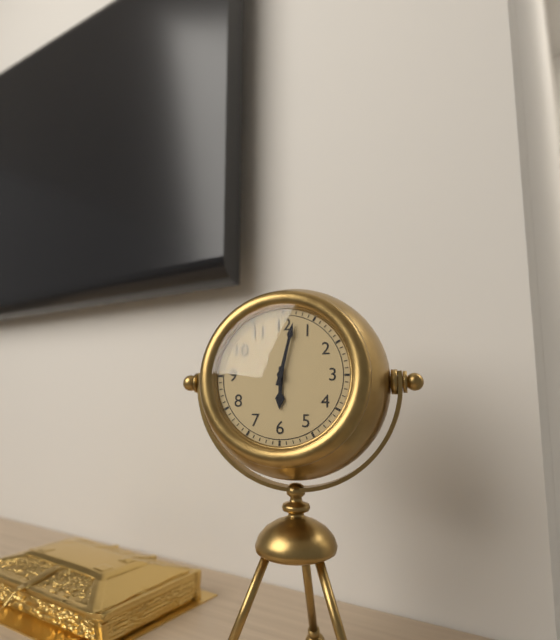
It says 6:02
